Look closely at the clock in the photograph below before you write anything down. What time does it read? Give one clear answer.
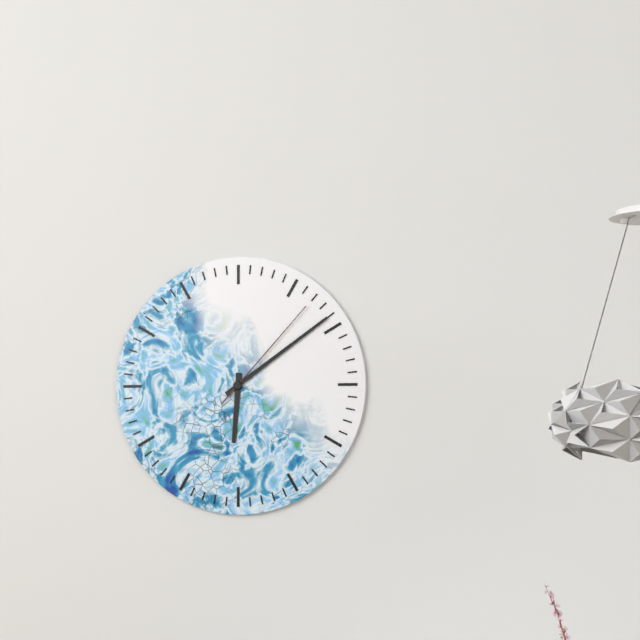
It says 6:09:07
